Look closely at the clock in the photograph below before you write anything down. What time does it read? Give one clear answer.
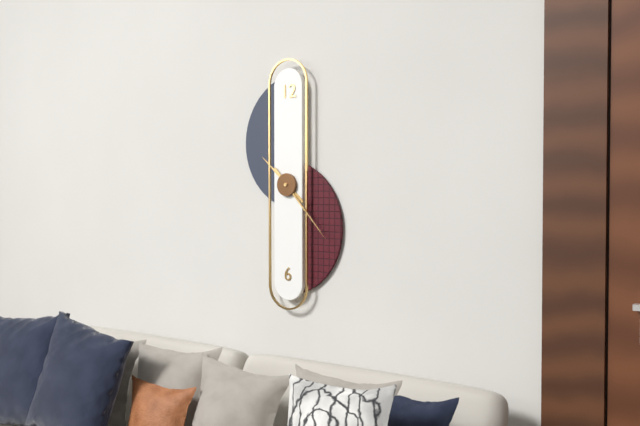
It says 10:23
